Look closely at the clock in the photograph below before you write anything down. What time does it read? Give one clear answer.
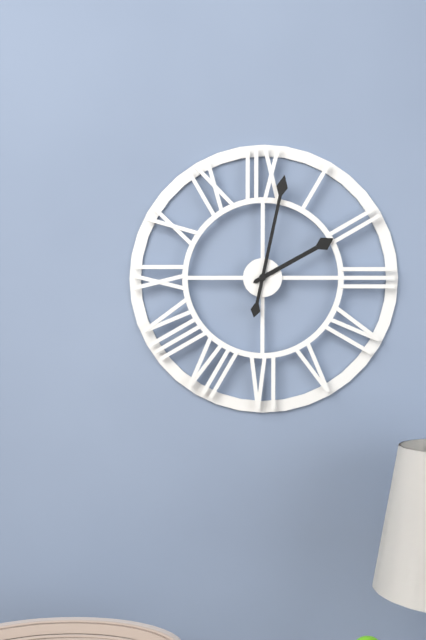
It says 2:02
